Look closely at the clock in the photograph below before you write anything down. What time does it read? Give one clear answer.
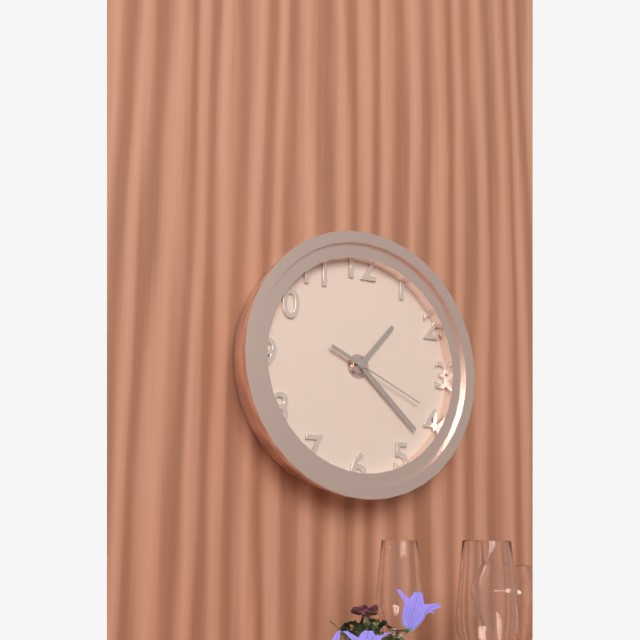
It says 1:22:19
